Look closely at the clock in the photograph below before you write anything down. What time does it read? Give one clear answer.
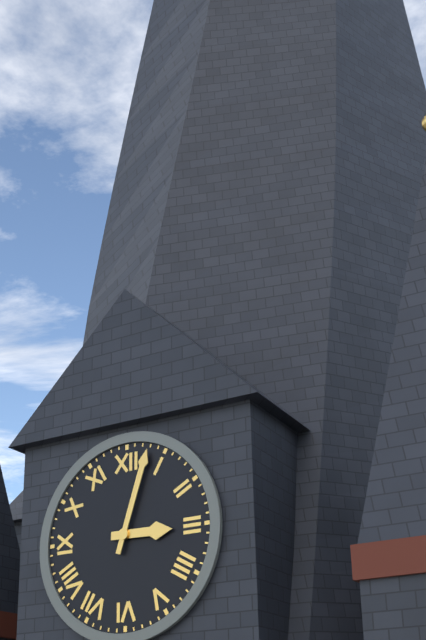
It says 3:03
